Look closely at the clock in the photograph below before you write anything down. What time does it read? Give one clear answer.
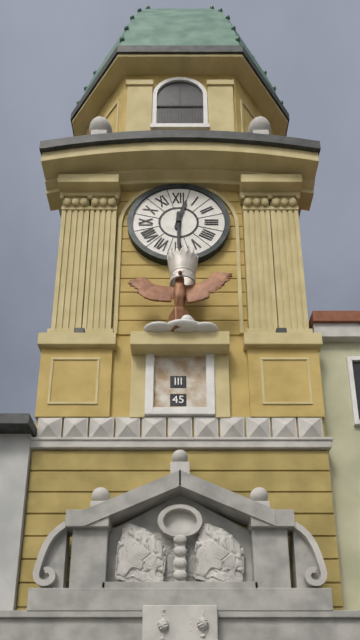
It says 12:30
